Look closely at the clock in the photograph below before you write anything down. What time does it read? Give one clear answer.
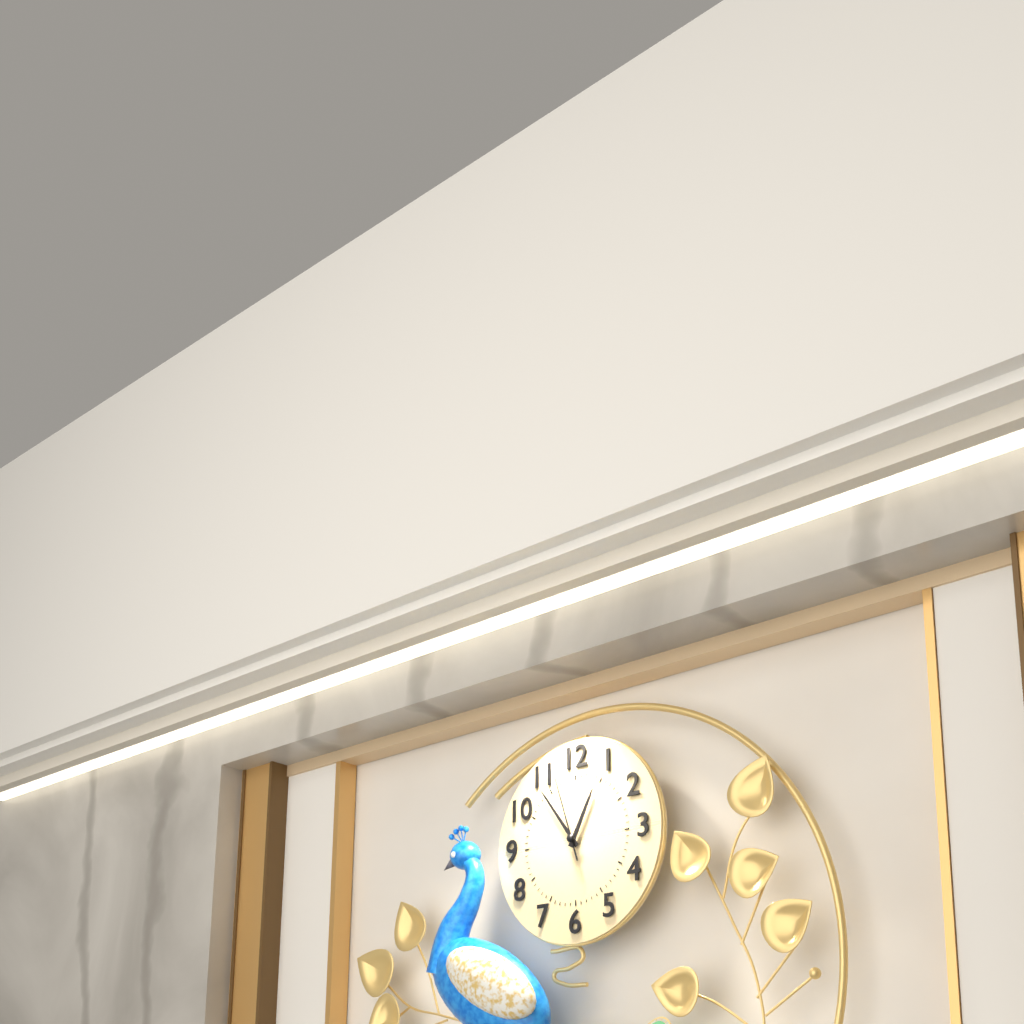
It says 12:54:57
